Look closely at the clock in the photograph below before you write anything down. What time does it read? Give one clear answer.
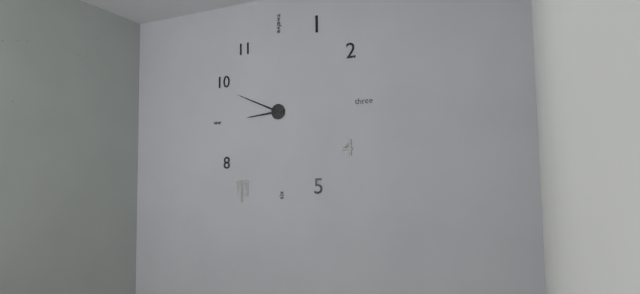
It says 8:49
